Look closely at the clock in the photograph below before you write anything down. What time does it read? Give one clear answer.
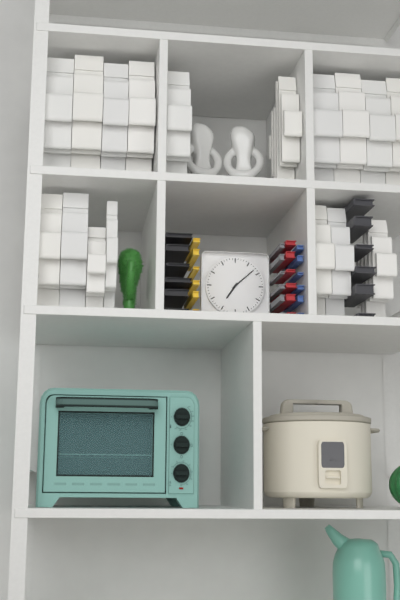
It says 7:08
